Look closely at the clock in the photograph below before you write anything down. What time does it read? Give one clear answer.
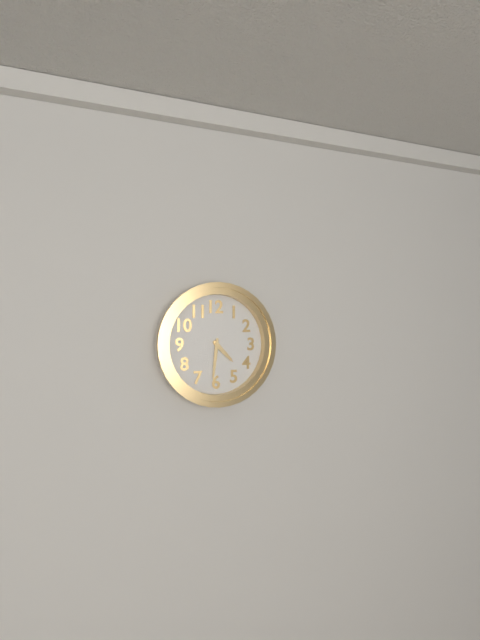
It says 4:31
